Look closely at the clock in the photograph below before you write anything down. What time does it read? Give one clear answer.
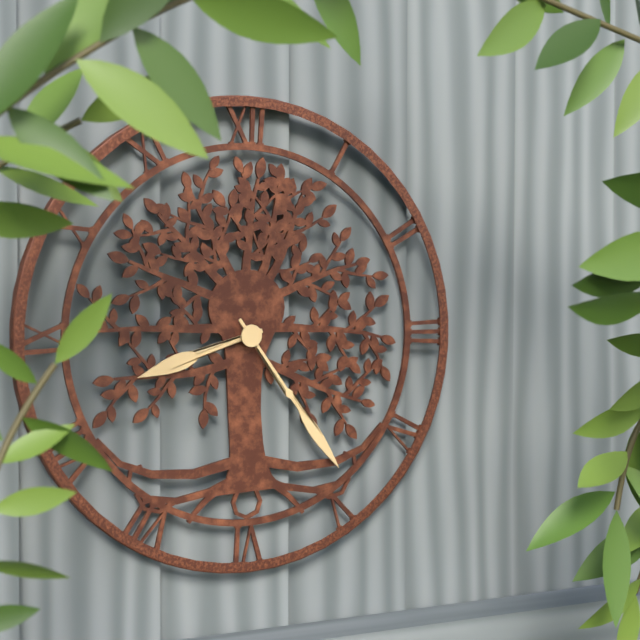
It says 8:24
